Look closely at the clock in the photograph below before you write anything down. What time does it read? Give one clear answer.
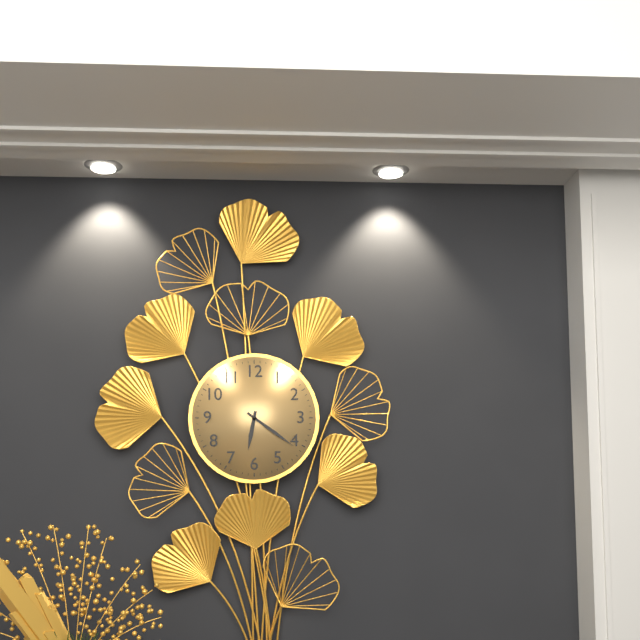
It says 6:21
